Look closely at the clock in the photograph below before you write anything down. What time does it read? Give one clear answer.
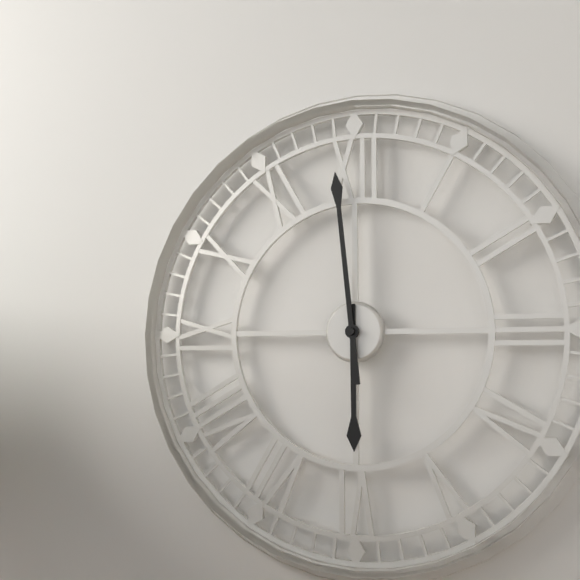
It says 5:59
